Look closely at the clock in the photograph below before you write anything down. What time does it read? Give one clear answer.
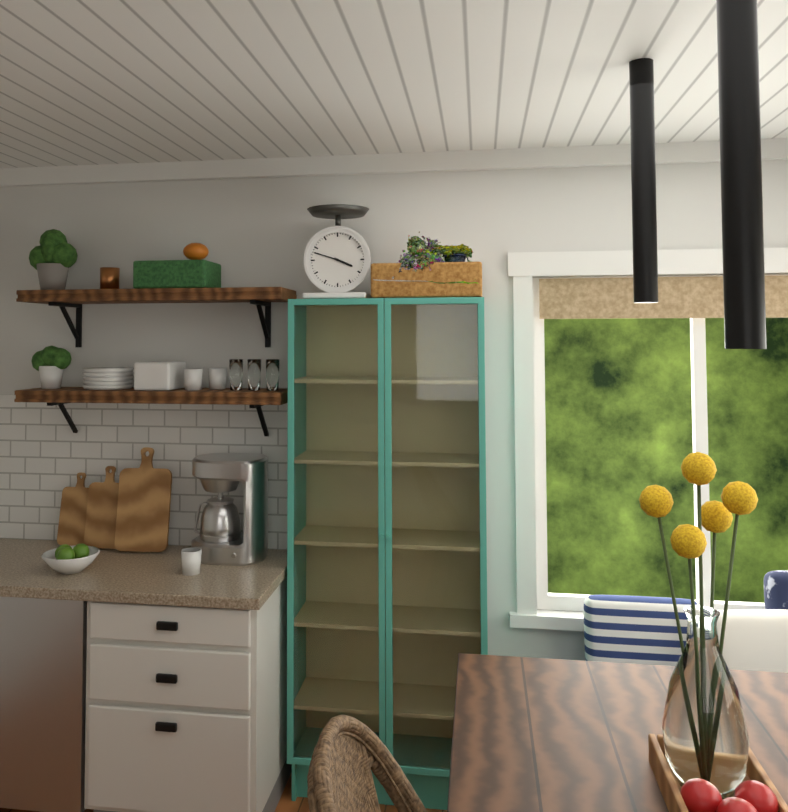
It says 3:48
